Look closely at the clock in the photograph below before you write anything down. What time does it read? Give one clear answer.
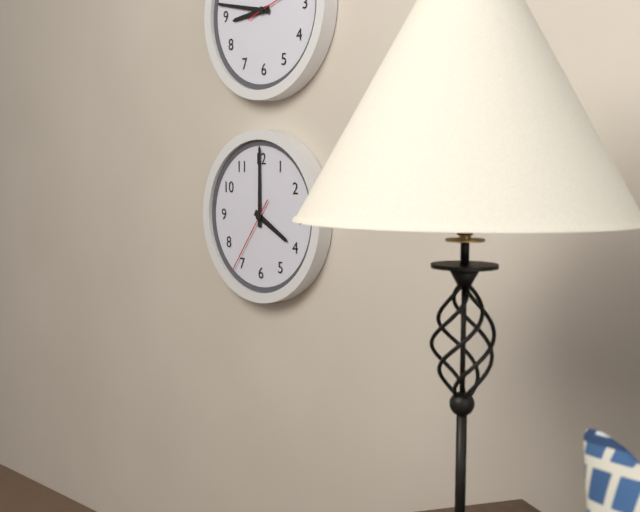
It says 4:00:36
